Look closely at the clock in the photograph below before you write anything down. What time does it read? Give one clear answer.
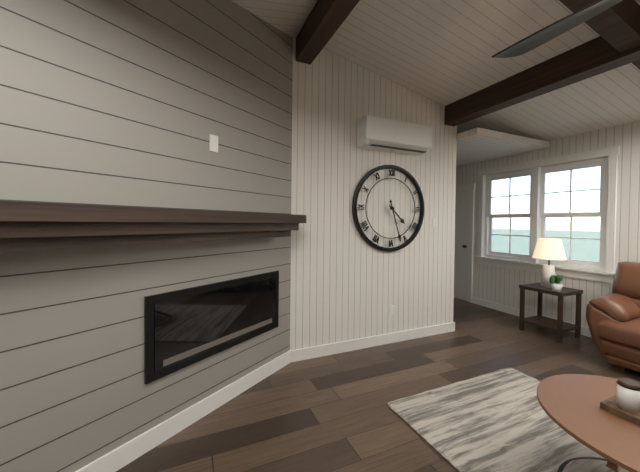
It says 4:27
